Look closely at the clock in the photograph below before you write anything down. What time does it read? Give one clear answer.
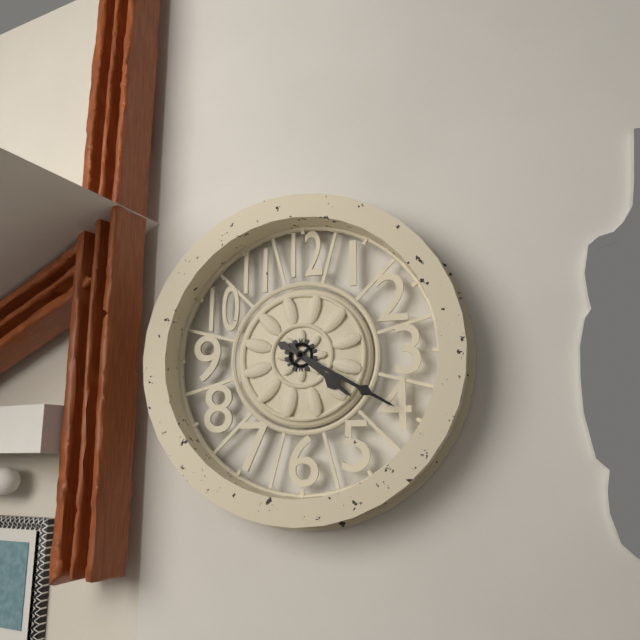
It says 4:20
